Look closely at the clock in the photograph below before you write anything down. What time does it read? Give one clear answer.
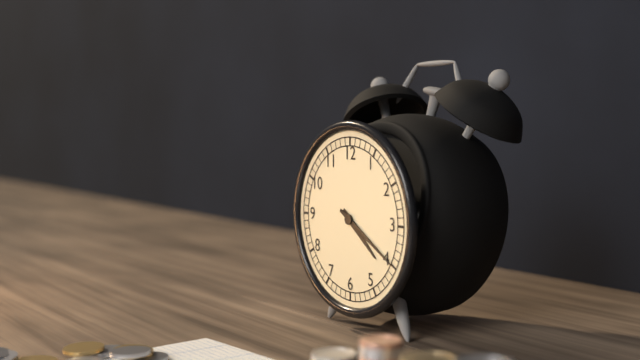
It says 4:20
